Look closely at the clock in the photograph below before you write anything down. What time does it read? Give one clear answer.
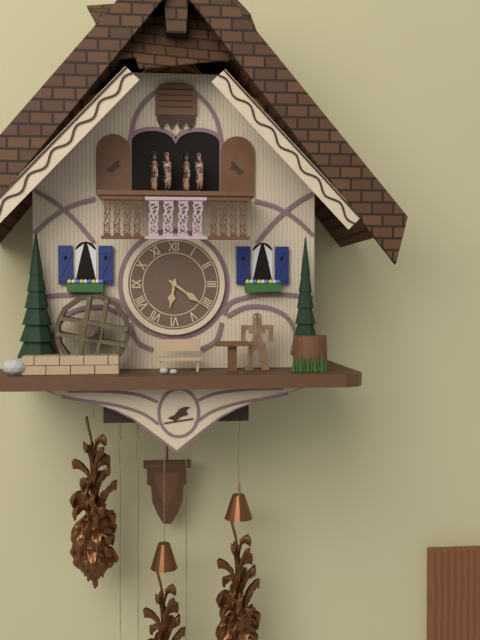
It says 6:21
